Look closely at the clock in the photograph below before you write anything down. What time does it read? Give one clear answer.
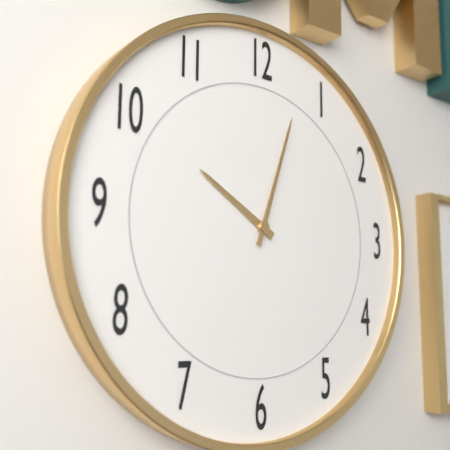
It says 10:03
